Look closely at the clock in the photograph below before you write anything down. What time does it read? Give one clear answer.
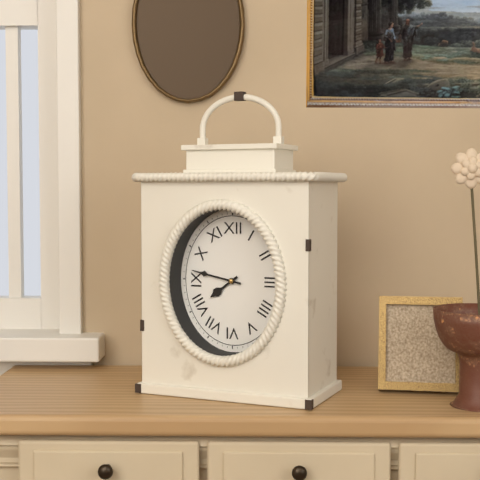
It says 7:47
